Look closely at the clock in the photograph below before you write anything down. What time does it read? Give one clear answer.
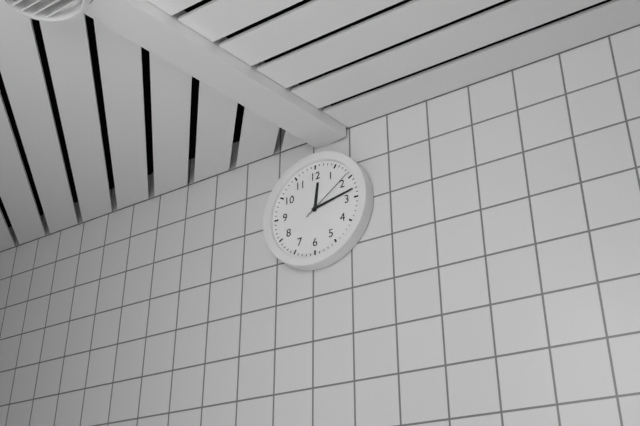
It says 12:13:09
